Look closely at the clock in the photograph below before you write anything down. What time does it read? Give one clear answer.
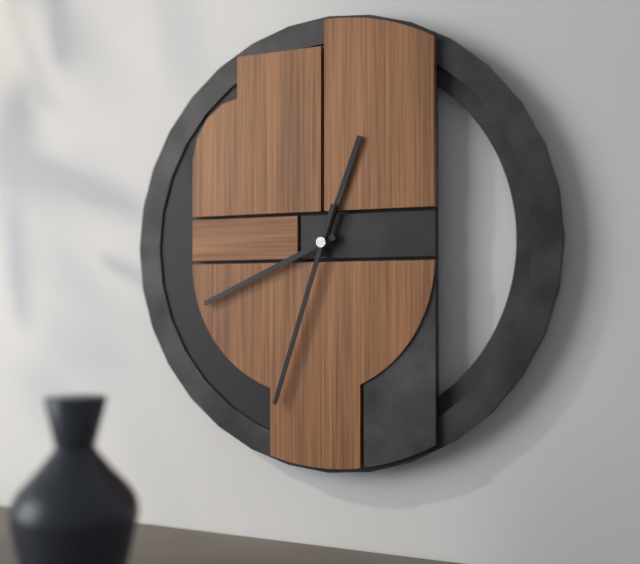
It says 12:41:33
